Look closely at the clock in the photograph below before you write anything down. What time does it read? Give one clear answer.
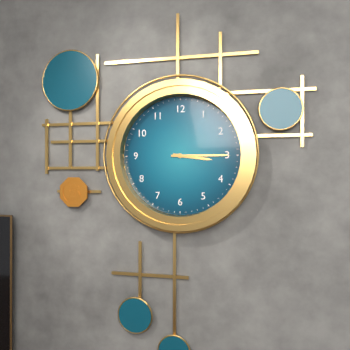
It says 3:15
